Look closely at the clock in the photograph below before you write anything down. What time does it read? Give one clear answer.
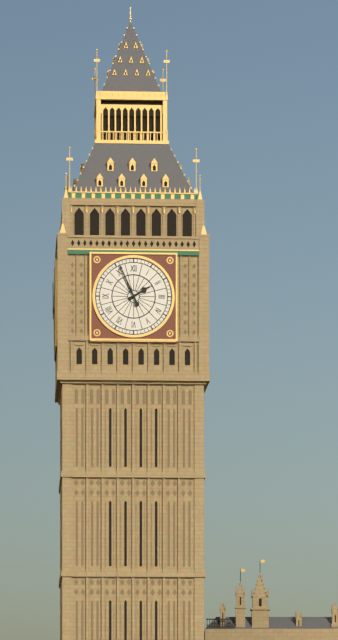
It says 1:56
